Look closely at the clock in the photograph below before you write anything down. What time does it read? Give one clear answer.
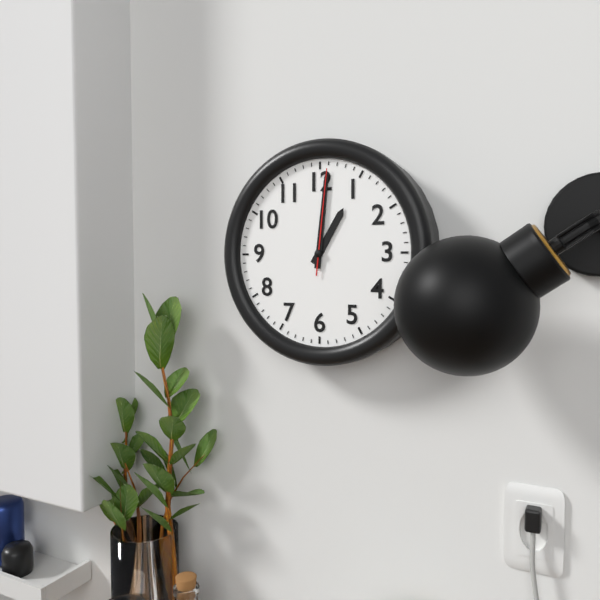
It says 1:01:01
